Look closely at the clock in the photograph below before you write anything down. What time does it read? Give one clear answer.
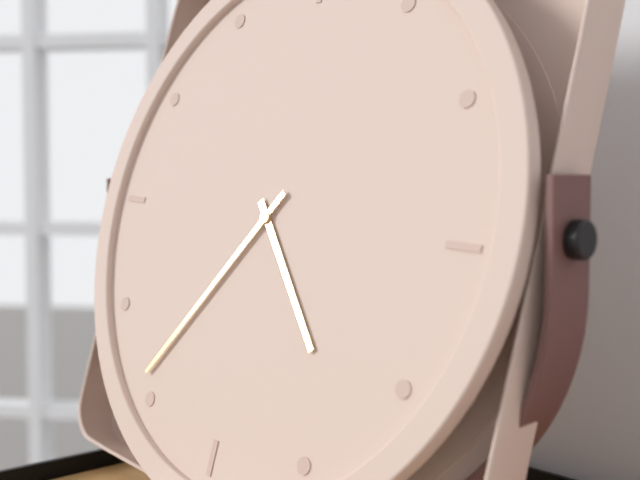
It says 4:36
